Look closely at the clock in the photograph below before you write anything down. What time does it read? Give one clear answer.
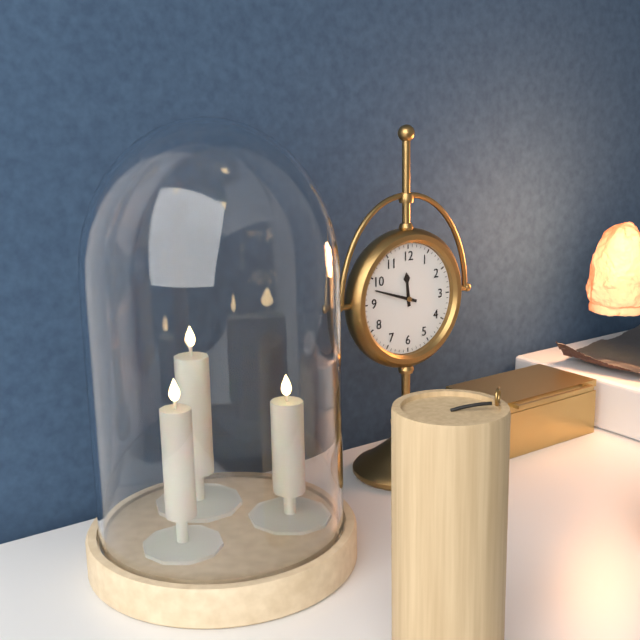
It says 11:48
